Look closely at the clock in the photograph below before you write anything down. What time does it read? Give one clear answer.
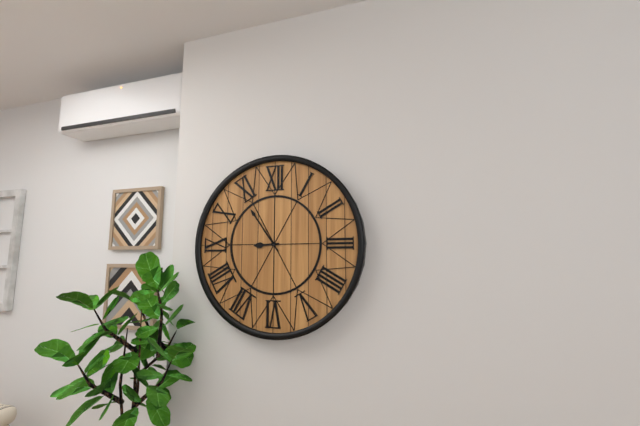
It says 8:54
